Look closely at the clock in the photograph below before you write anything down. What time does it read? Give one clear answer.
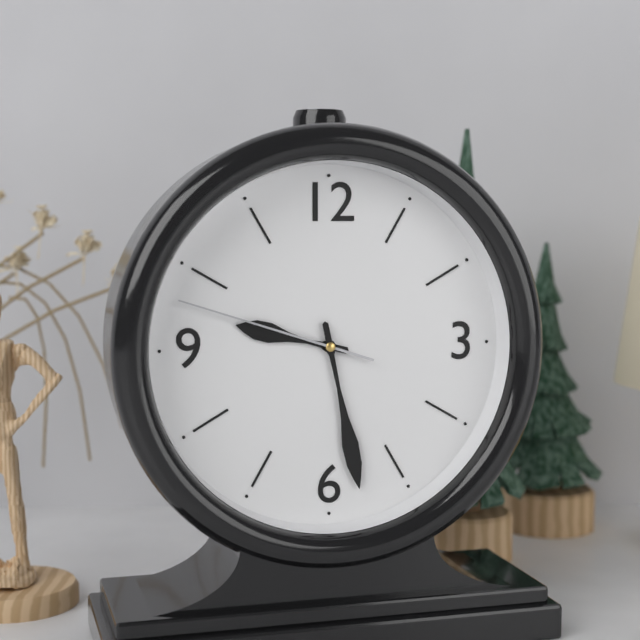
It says 9:28:48
